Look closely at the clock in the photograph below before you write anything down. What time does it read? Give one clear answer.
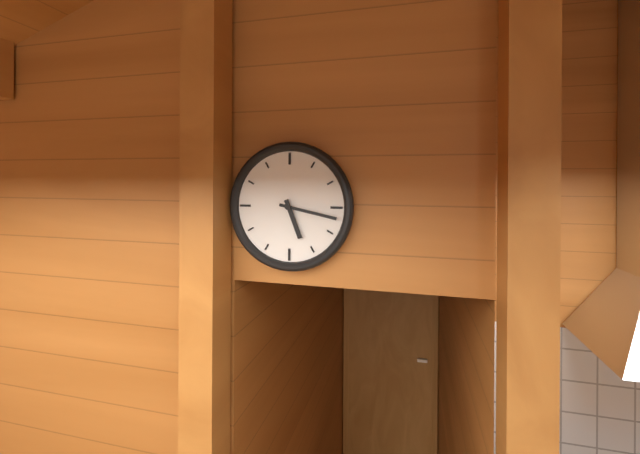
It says 5:17
